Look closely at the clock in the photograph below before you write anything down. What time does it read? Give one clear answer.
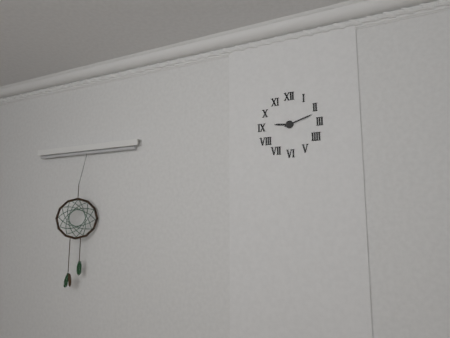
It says 9:12
